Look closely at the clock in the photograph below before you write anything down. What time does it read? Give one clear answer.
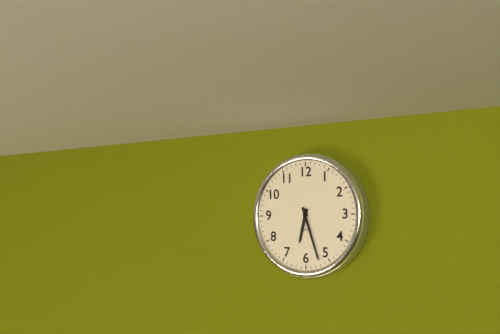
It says 6:27
